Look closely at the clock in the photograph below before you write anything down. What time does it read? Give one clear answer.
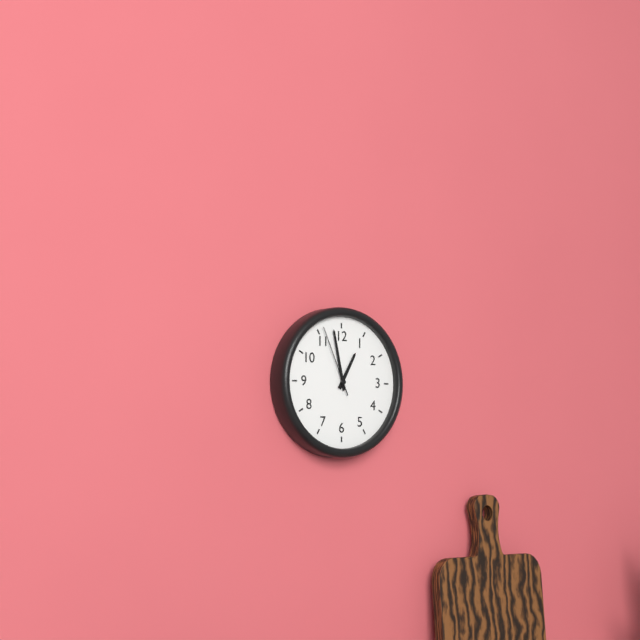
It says 12:58:56
